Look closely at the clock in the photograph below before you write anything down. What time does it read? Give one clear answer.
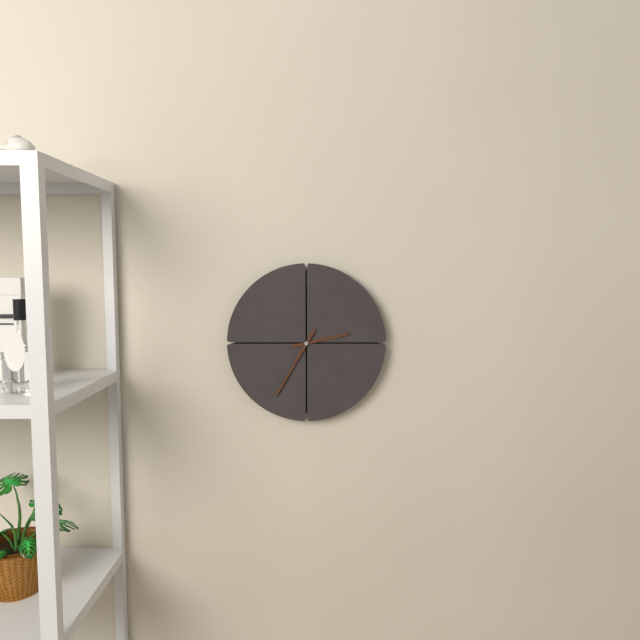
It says 2:35
